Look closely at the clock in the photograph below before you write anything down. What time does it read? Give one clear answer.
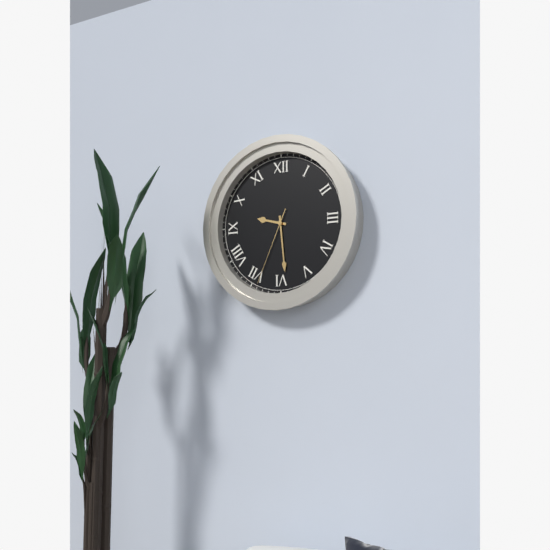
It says 9:29:34
